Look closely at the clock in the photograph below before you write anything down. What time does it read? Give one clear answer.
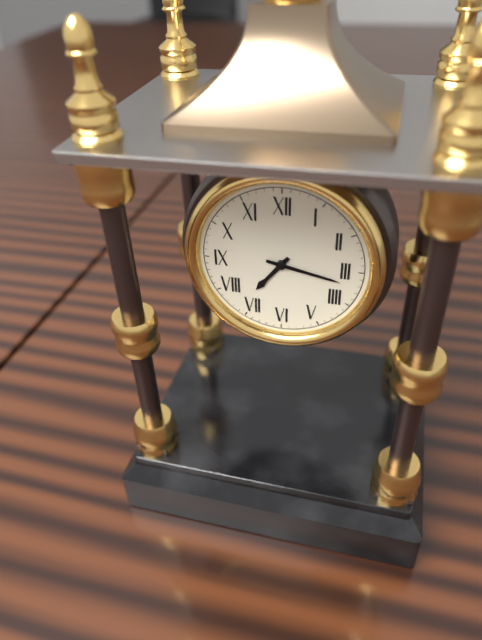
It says 7:17
